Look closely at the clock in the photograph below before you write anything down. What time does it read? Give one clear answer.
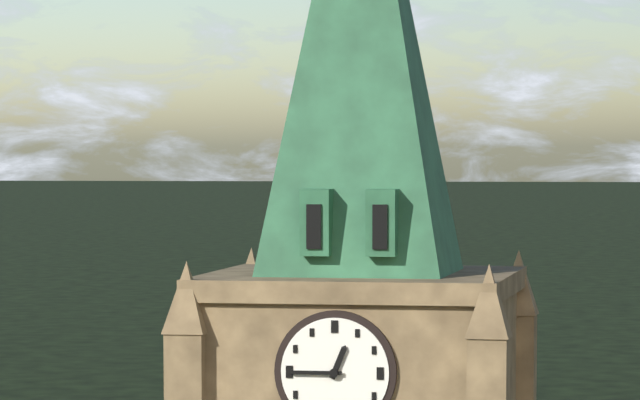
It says 12:45
